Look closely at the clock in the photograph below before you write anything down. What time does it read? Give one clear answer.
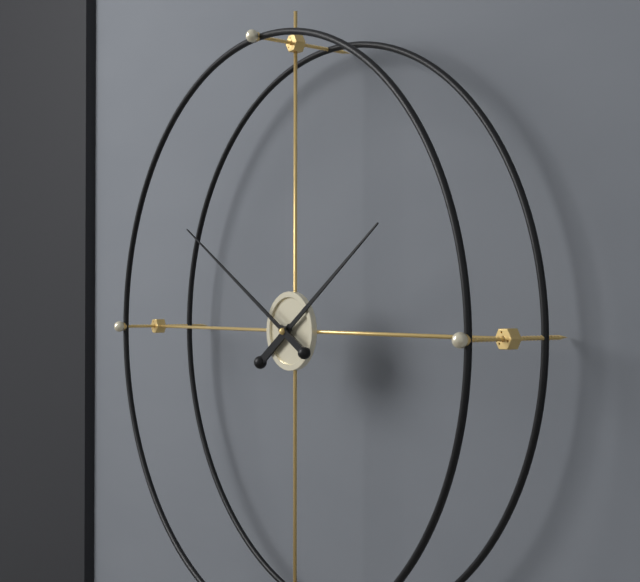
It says 1:50
